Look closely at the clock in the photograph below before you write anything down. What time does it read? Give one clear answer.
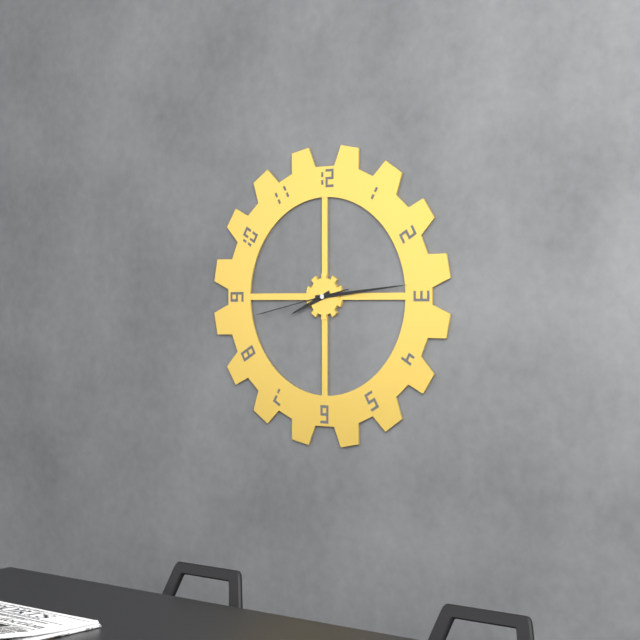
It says 8:14:43
